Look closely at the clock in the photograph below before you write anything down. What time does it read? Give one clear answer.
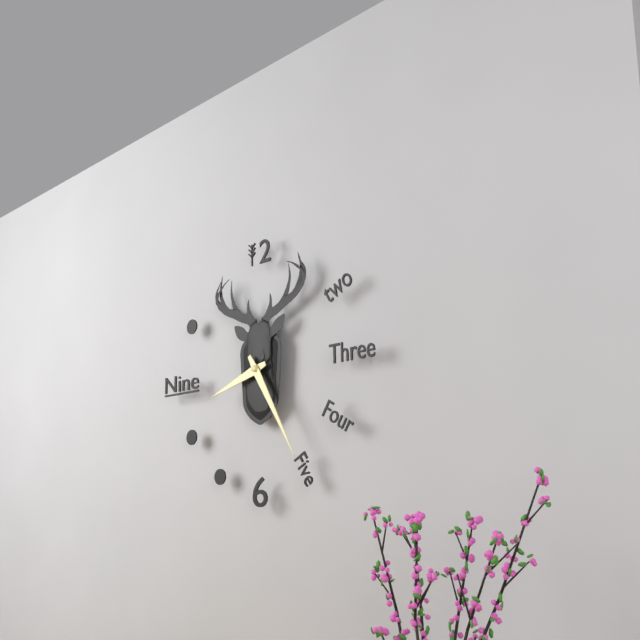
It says 8:25
